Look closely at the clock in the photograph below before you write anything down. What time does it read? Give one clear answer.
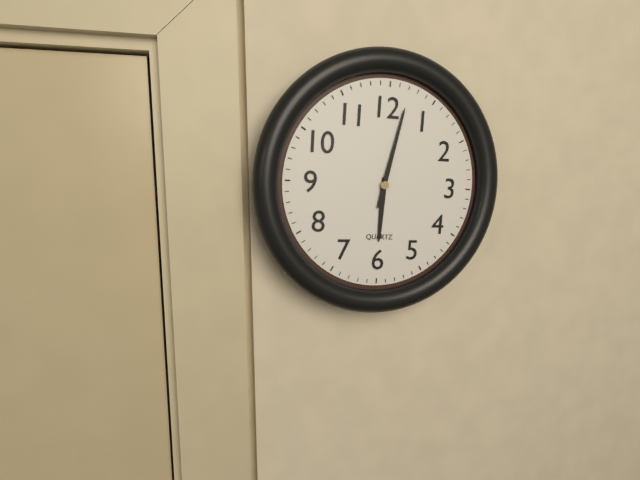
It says 6:02
